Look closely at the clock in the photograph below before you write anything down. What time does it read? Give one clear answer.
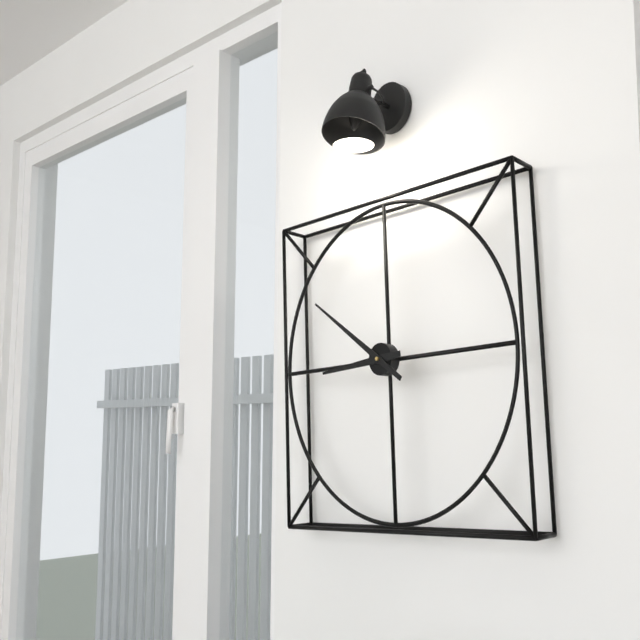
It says 8:51
